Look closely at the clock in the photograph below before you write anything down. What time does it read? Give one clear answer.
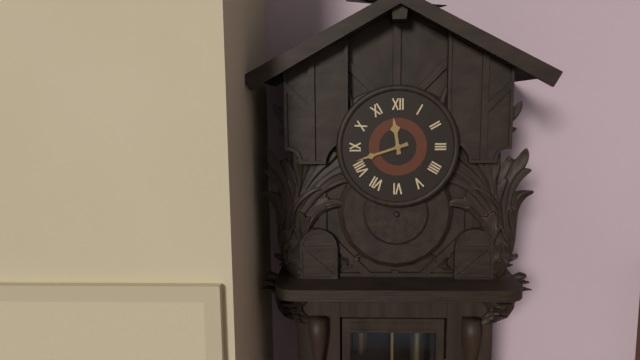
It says 11:42
